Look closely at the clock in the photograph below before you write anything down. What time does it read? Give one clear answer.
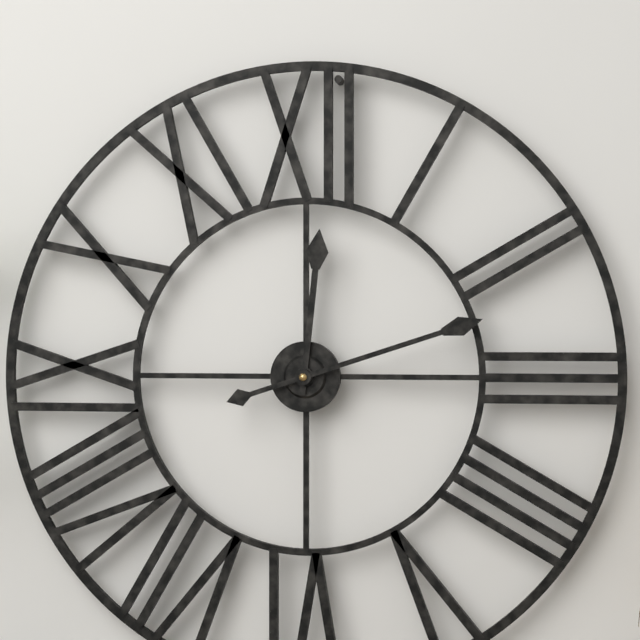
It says 12:12
